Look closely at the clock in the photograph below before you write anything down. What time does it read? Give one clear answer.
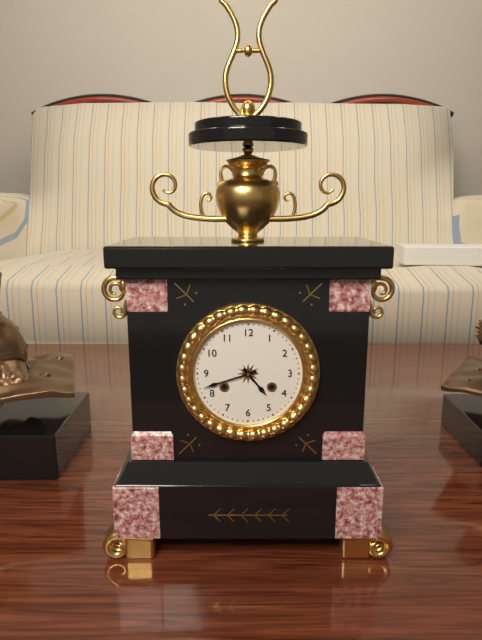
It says 4:42
